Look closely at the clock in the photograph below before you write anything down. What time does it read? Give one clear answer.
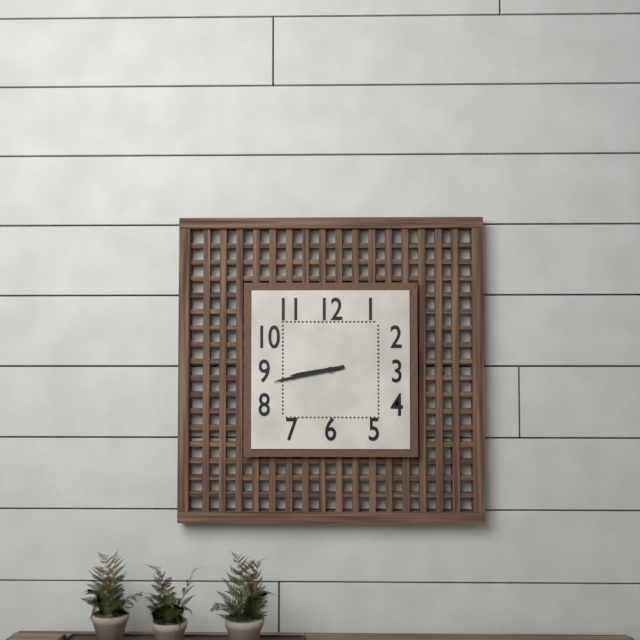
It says 8:43
